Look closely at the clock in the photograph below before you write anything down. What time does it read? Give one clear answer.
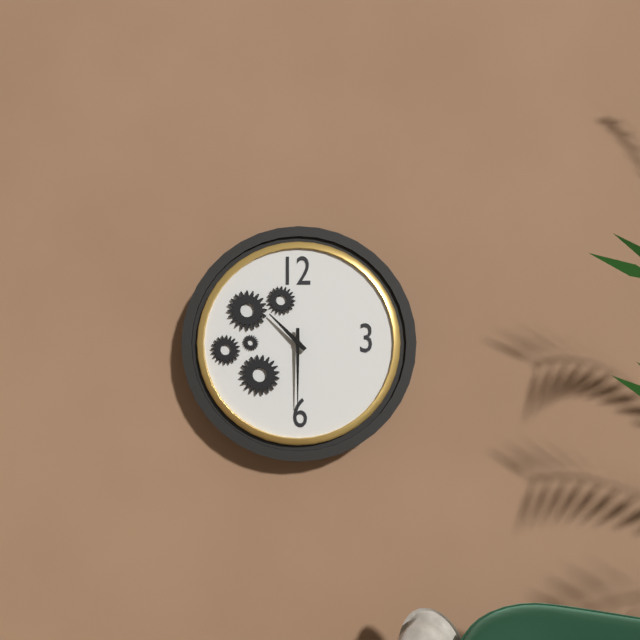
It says 10:30
